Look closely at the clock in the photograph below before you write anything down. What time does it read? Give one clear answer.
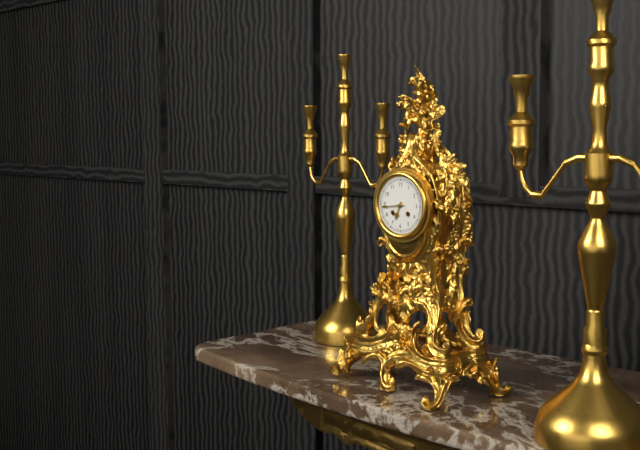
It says 6:44
